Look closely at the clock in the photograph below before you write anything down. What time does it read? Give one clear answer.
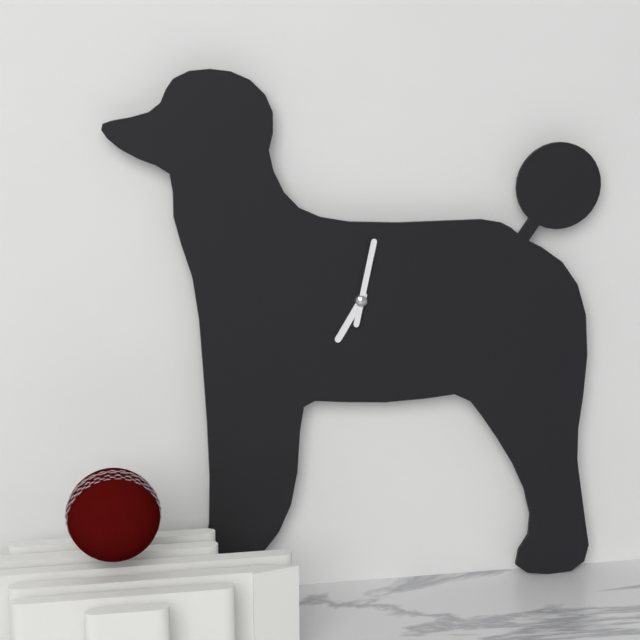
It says 7:02
